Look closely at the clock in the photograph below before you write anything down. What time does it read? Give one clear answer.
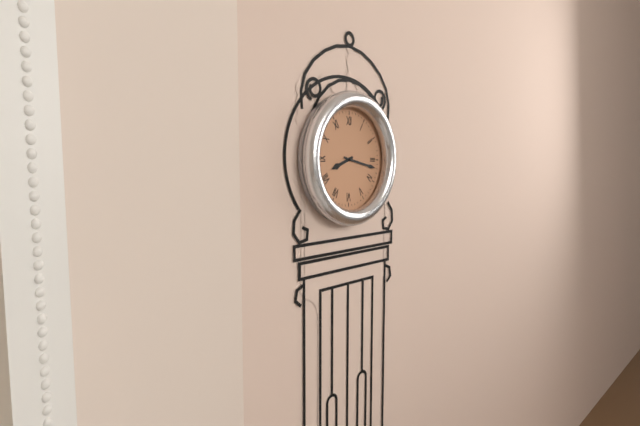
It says 8:17
